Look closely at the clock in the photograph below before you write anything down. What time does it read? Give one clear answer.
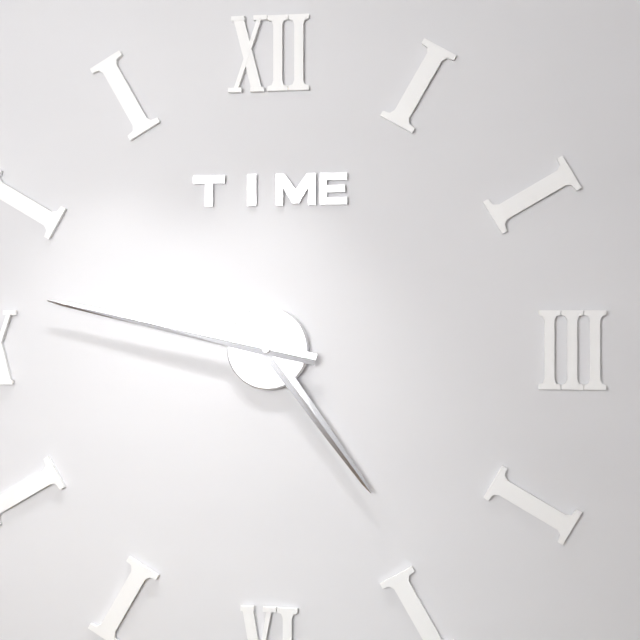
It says 4:47
